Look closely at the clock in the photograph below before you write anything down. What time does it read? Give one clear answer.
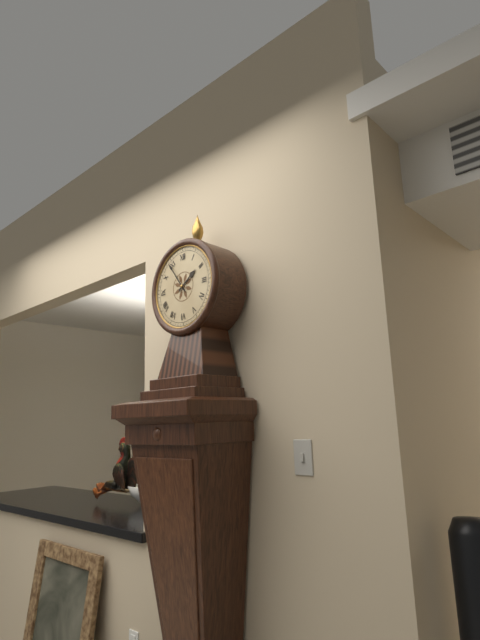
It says 1:54
